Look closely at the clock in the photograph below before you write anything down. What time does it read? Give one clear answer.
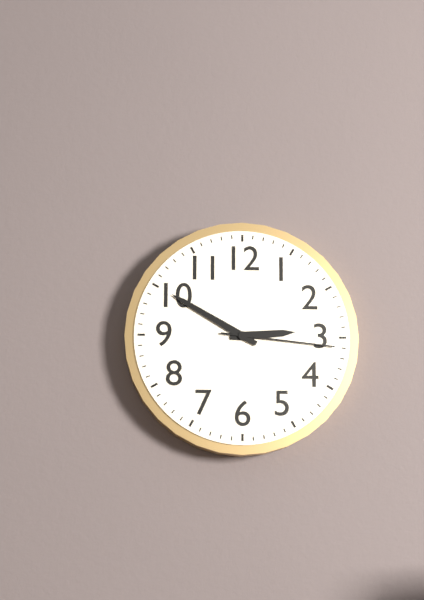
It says 2:50:16
